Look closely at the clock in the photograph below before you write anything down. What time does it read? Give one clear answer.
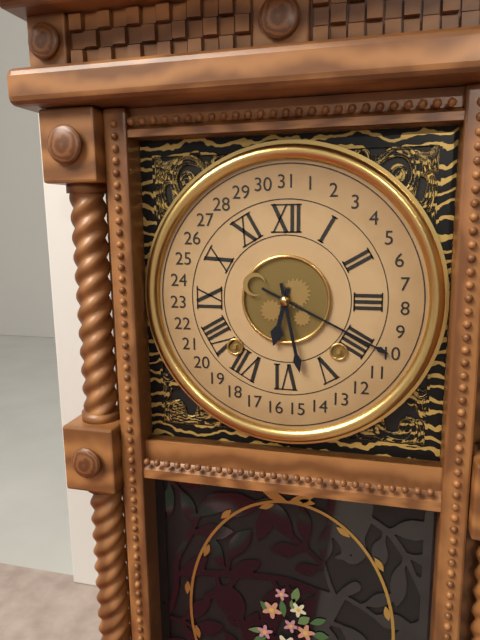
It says 6:28
